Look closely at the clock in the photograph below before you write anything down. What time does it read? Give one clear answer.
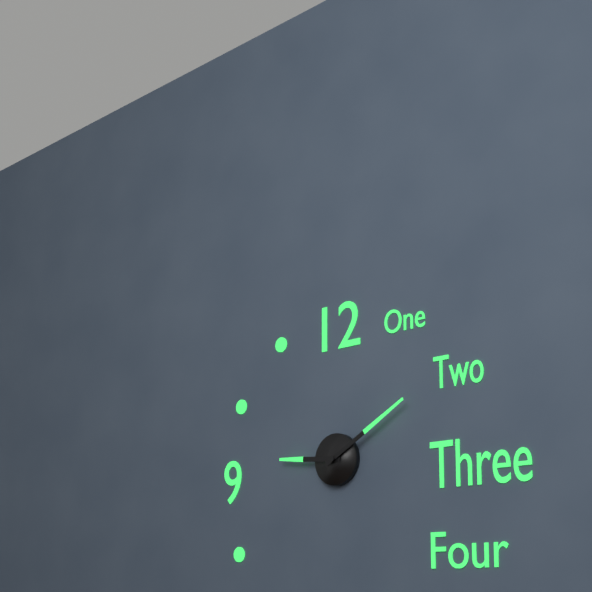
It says 9:10
